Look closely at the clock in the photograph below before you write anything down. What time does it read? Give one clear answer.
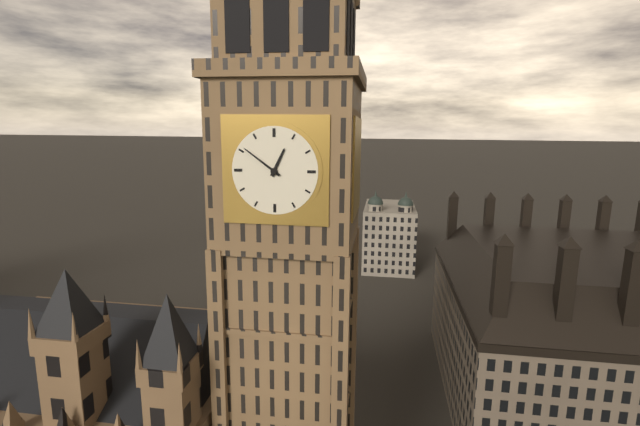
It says 12:51
